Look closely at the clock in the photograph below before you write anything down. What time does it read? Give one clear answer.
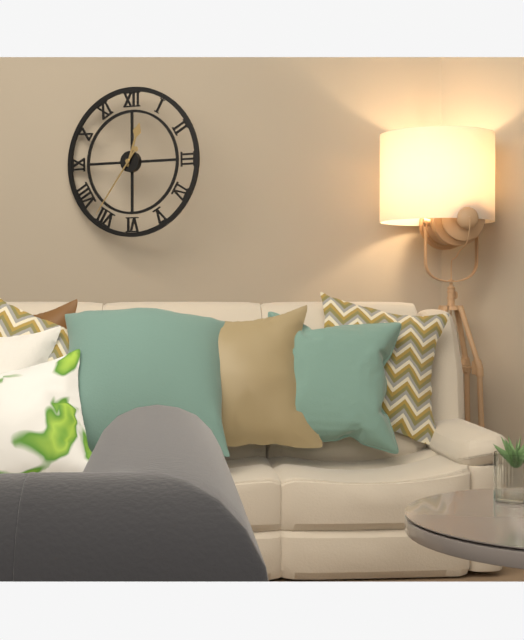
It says 12:36
